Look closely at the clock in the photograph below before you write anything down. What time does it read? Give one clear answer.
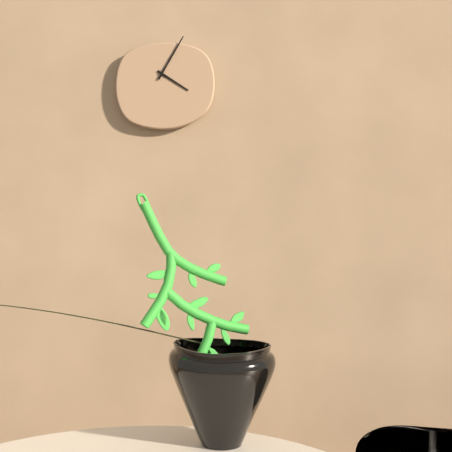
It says 4:05
